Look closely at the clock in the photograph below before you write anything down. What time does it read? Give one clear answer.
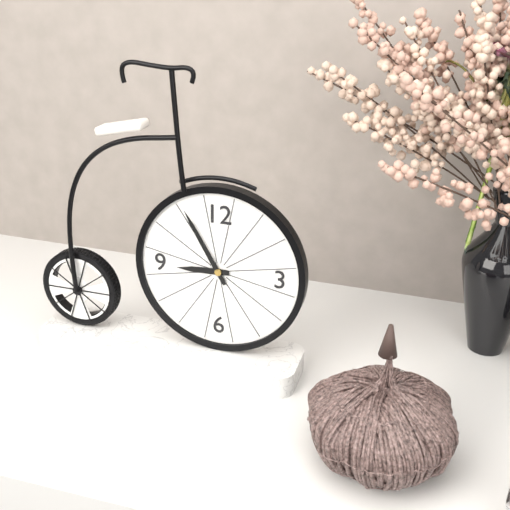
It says 8:55
